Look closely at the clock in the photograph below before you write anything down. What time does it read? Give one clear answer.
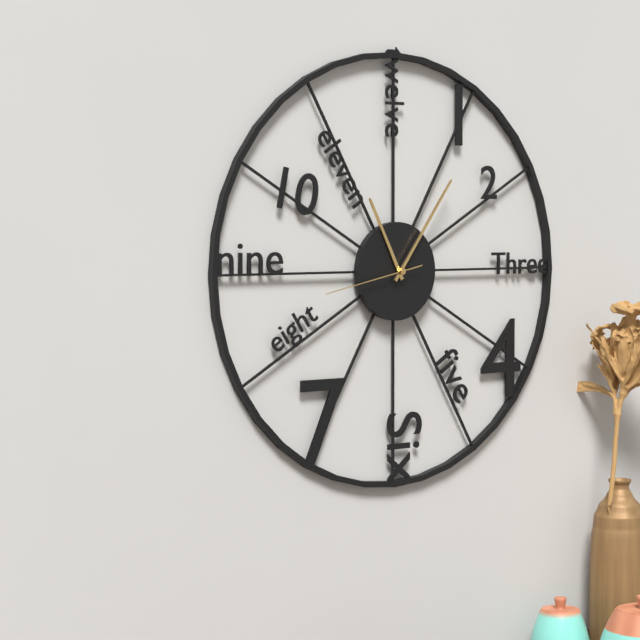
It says 11:06:43
